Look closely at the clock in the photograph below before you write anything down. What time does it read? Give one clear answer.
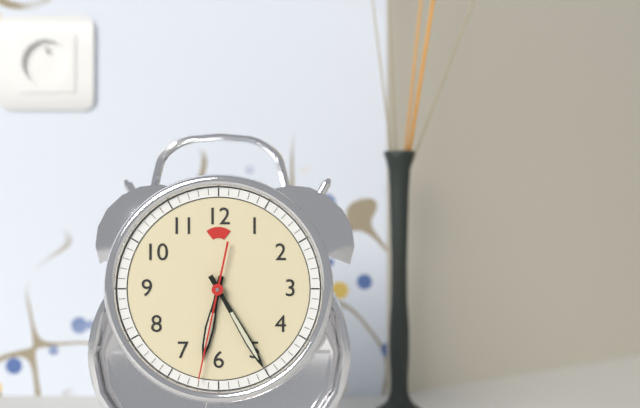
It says 6:25:32
